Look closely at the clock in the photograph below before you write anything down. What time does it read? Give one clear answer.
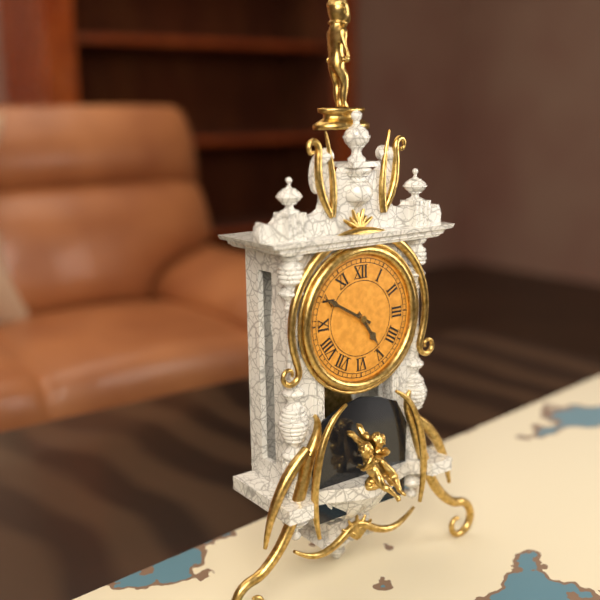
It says 4:50
